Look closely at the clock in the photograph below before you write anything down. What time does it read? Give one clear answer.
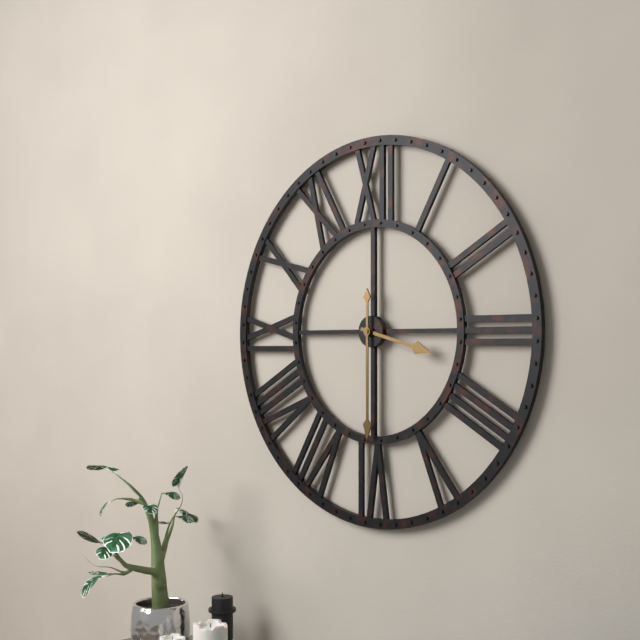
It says 3:30
